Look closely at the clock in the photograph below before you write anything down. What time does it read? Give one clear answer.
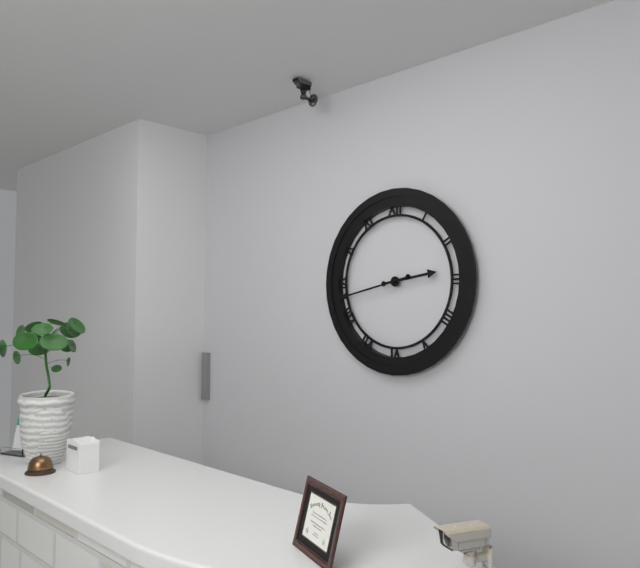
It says 2:43
